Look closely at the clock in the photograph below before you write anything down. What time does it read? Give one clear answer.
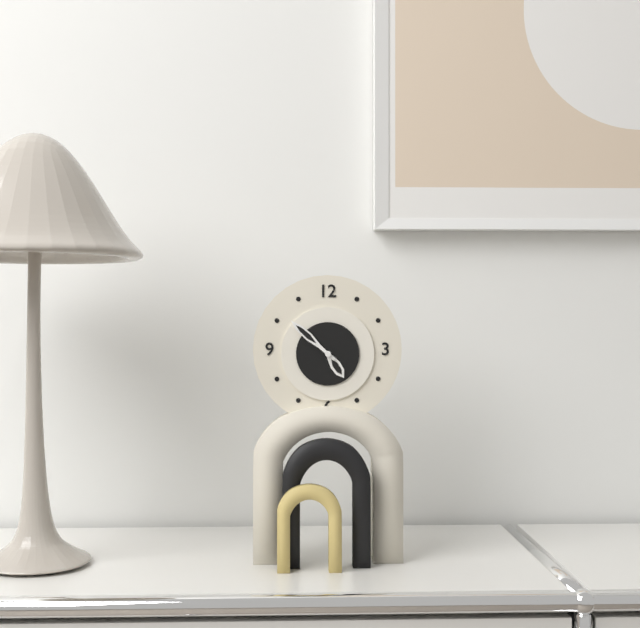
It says 4:52
